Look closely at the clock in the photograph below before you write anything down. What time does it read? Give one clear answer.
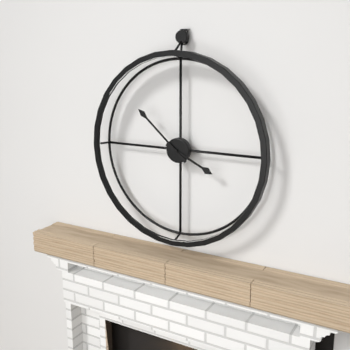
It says 3:52
